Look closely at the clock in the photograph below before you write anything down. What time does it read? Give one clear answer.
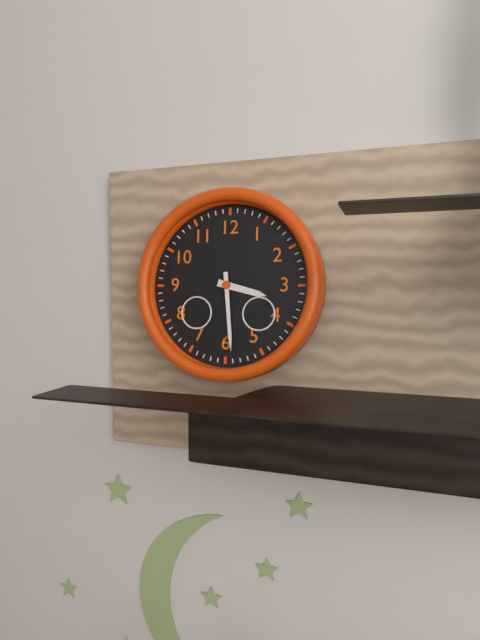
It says 3:29
